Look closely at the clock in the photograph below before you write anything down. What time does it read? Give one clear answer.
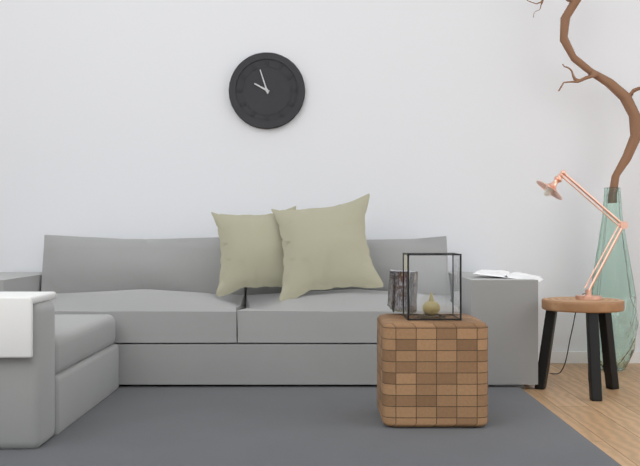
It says 9:57
